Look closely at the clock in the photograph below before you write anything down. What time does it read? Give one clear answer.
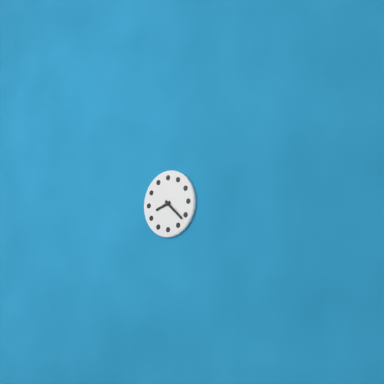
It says 8:22
